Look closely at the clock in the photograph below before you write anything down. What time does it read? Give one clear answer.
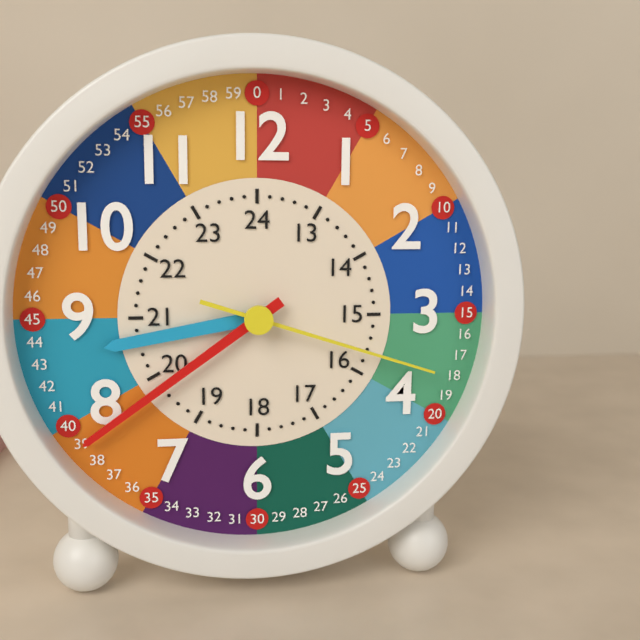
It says 8:39:18
